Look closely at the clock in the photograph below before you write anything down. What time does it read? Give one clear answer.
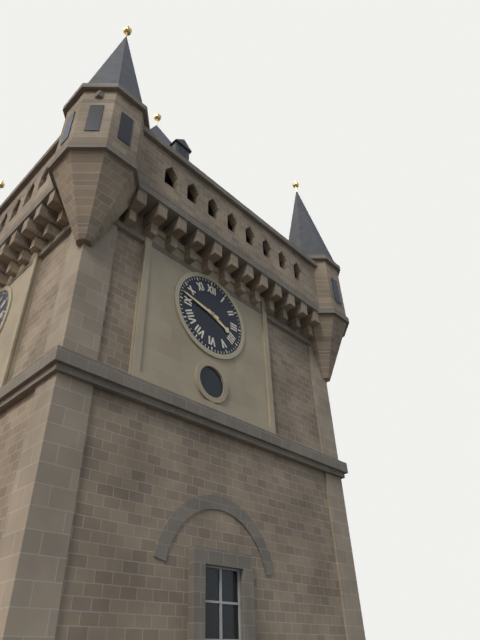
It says 3:47
